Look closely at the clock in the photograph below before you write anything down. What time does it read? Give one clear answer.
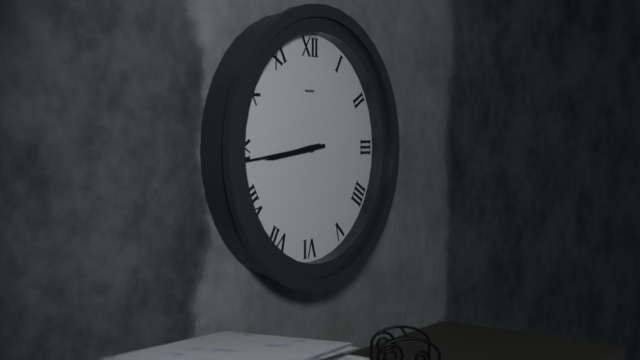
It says 8:44
